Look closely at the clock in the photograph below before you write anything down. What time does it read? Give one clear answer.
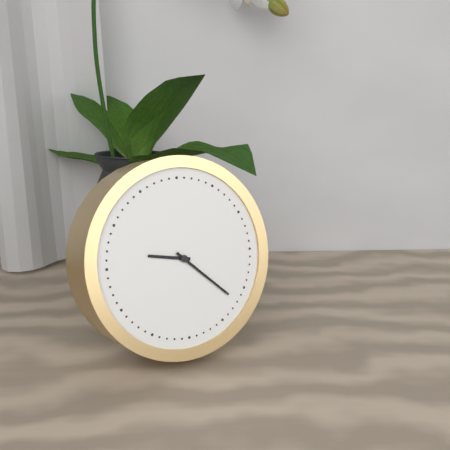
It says 9:22
